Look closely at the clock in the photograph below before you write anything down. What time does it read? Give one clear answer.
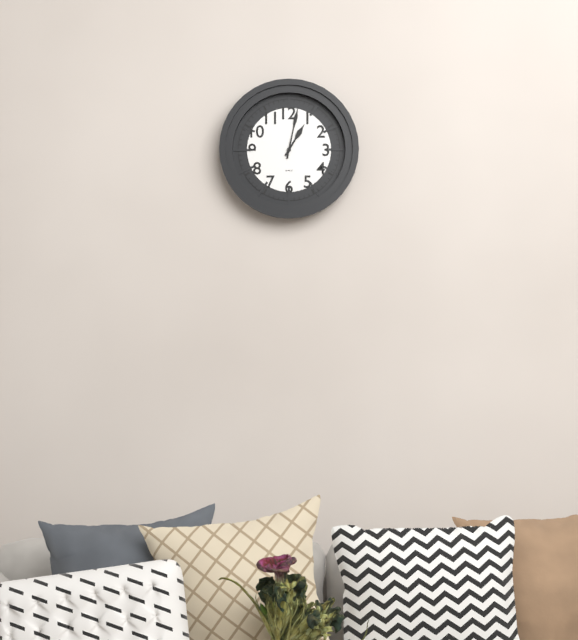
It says 1:02
